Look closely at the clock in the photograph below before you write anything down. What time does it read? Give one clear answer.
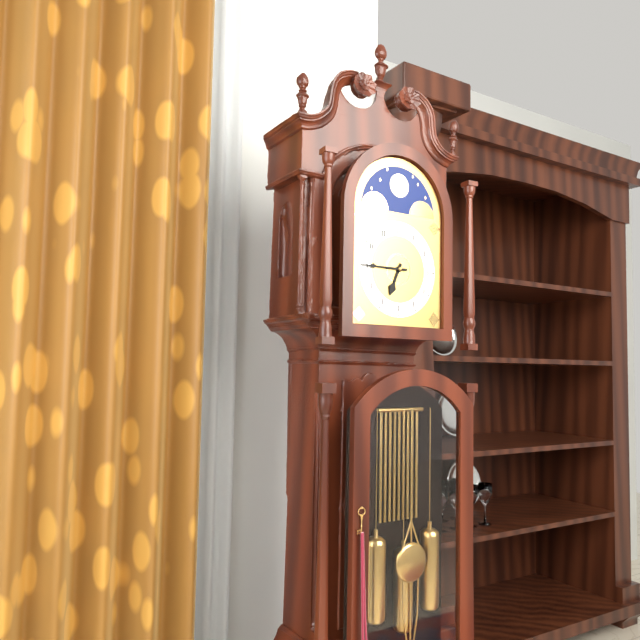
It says 6:45
